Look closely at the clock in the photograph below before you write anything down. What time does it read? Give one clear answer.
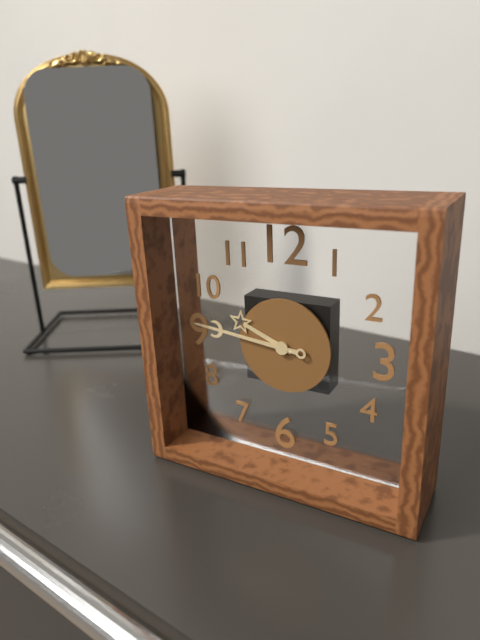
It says 9:46
